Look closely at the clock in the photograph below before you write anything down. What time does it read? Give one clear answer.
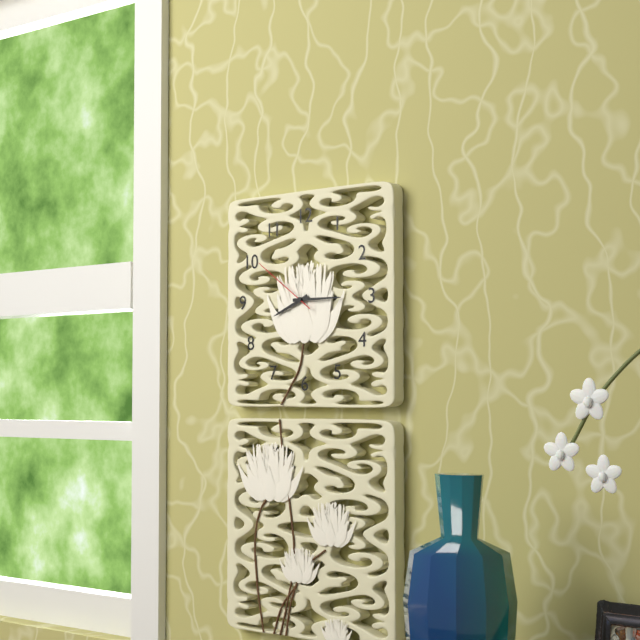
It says 8:15:51
